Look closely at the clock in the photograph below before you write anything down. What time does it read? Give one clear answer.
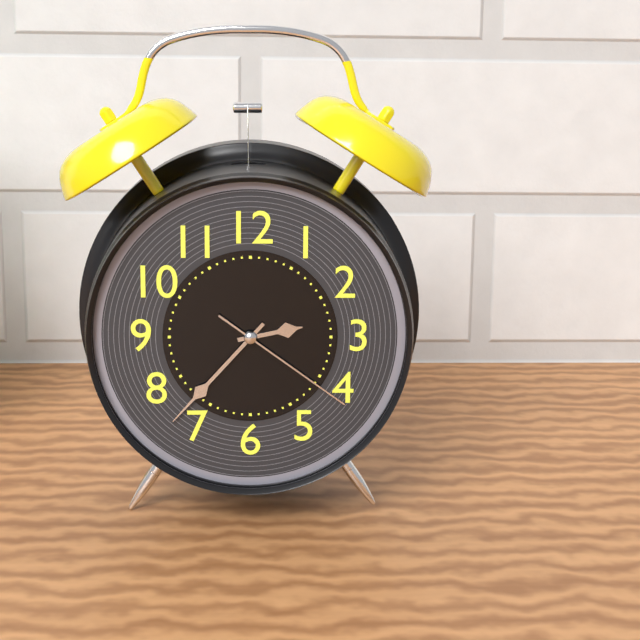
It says 2:37:21
